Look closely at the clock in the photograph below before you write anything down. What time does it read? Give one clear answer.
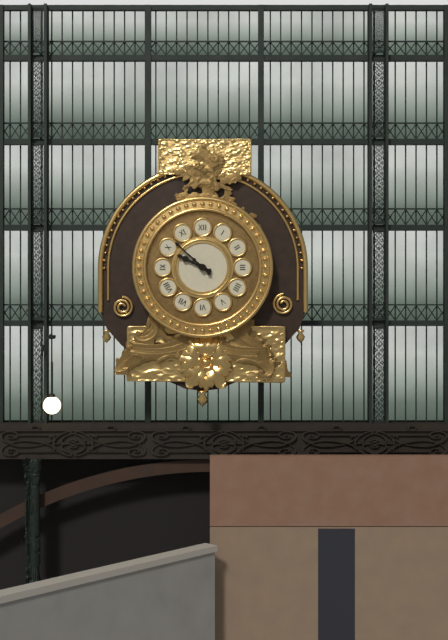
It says 9:52
